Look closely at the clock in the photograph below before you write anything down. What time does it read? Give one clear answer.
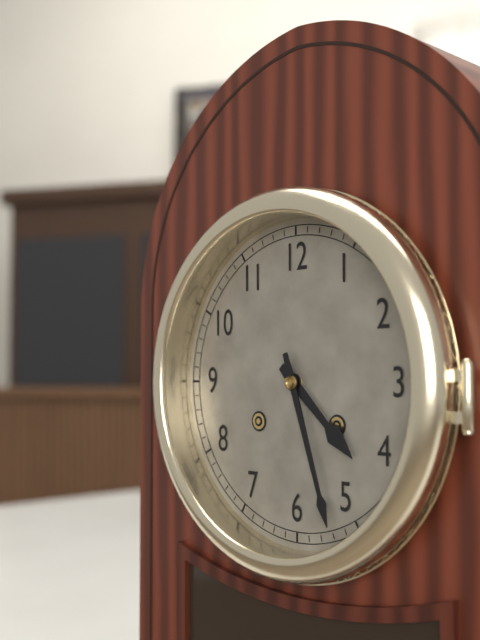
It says 4:27
